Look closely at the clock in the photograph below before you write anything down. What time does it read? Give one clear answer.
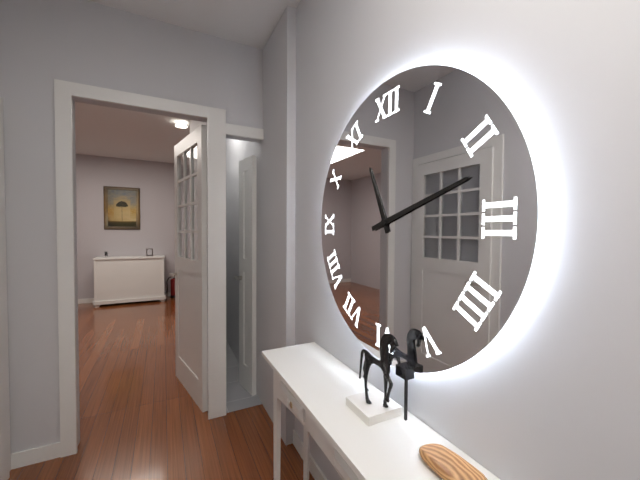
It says 11:12
